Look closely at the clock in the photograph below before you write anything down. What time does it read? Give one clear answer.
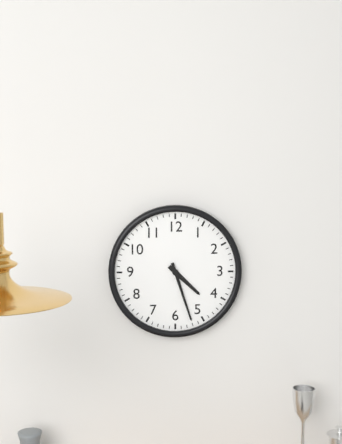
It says 4:27
